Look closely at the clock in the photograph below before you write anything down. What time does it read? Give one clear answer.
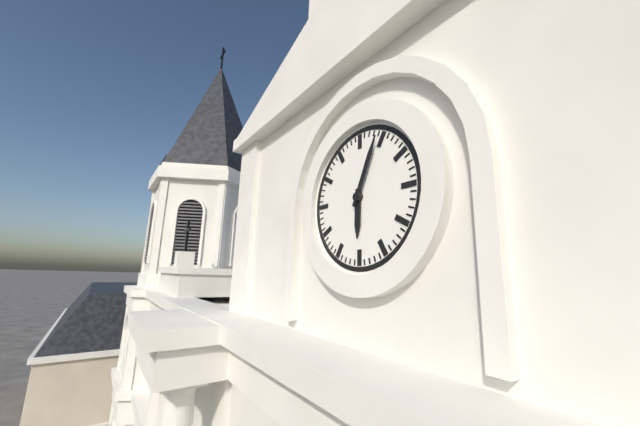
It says 6:04
